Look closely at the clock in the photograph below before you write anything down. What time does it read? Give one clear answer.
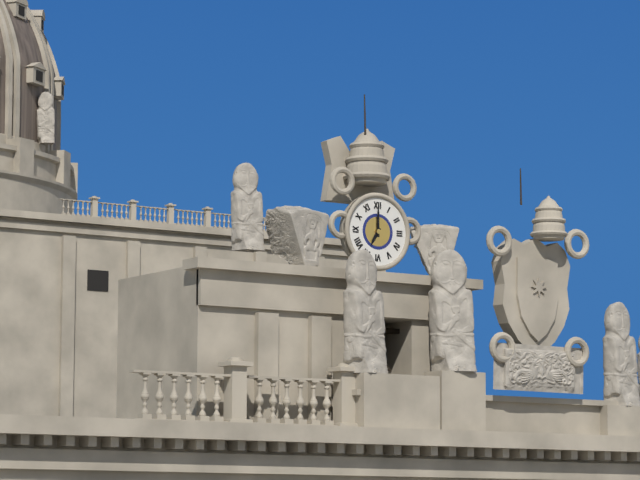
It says 7:00
